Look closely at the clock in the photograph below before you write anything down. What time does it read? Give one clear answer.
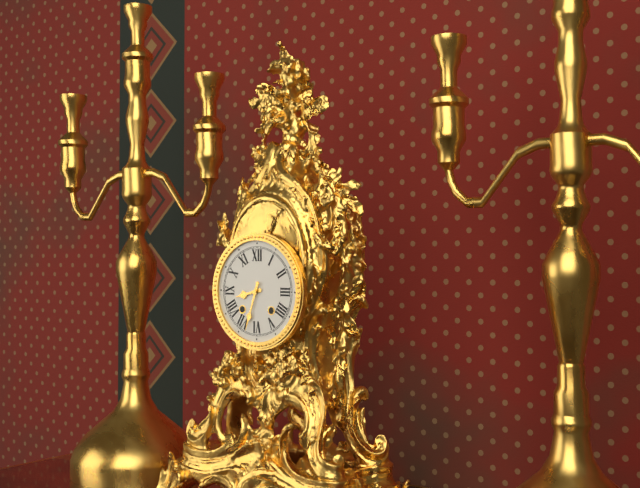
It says 8:33
